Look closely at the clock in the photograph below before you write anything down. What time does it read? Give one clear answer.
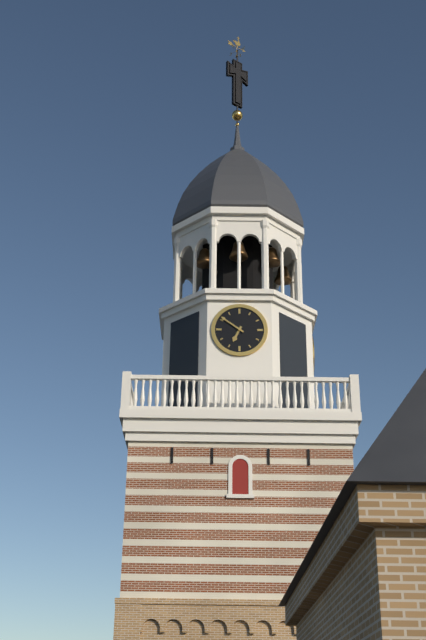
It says 6:51
